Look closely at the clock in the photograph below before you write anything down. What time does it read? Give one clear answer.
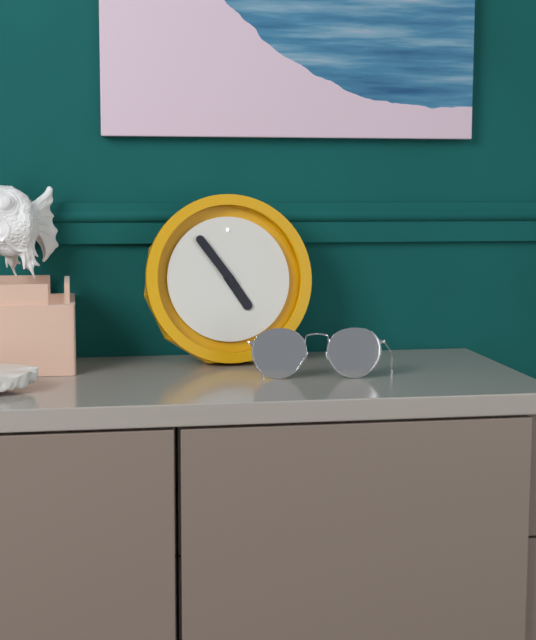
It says 4:54
